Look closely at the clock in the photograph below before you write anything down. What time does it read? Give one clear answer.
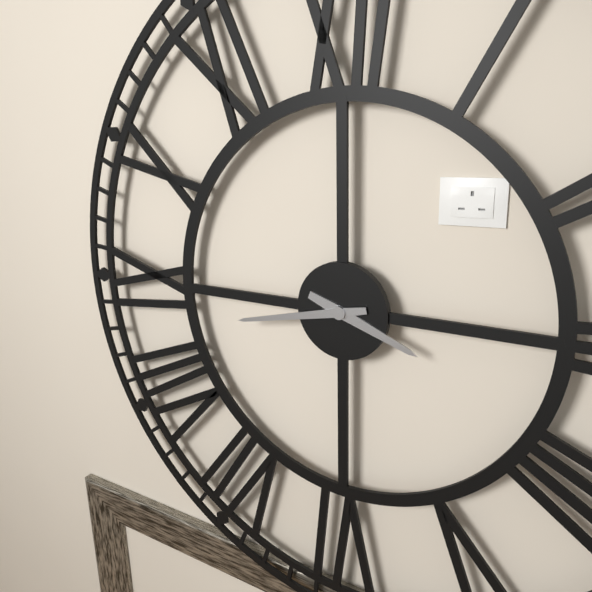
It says 3:43
